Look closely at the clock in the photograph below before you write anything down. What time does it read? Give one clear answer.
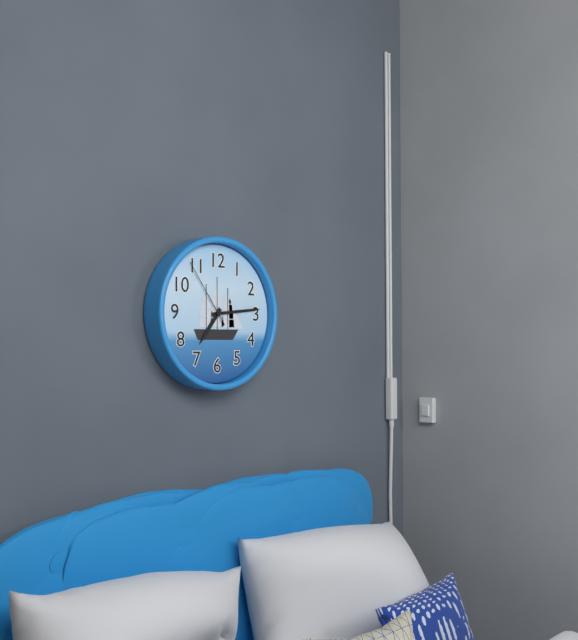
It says 7:14:54
